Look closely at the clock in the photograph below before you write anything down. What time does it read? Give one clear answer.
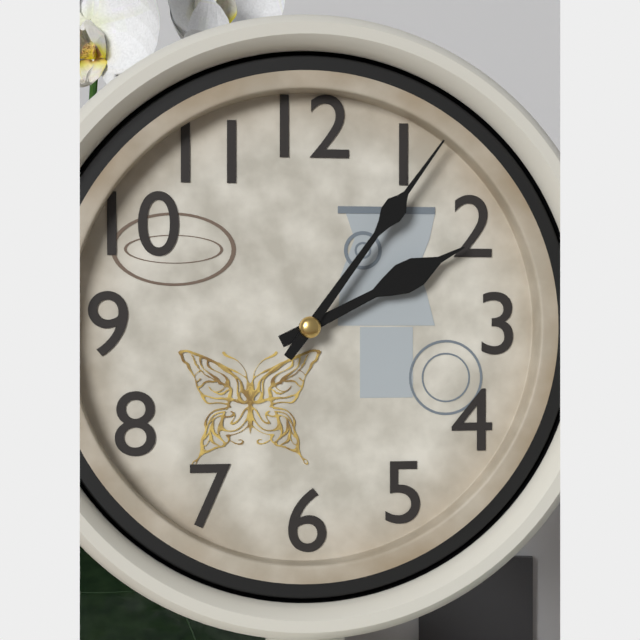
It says 2:06
